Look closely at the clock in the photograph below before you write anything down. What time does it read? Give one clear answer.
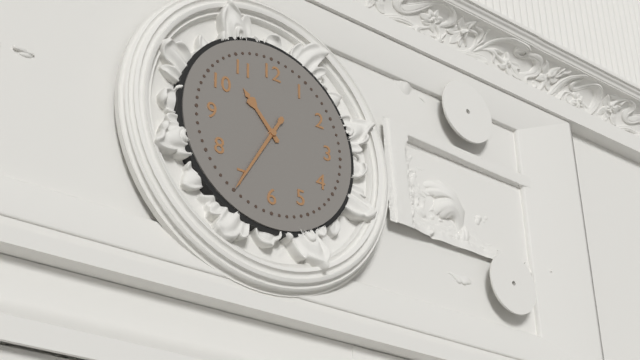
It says 10:35
